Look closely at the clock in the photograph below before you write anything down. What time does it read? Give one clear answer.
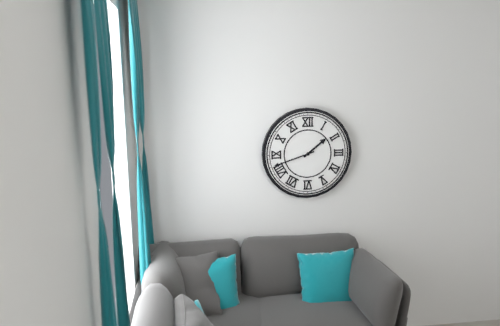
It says 1:42
